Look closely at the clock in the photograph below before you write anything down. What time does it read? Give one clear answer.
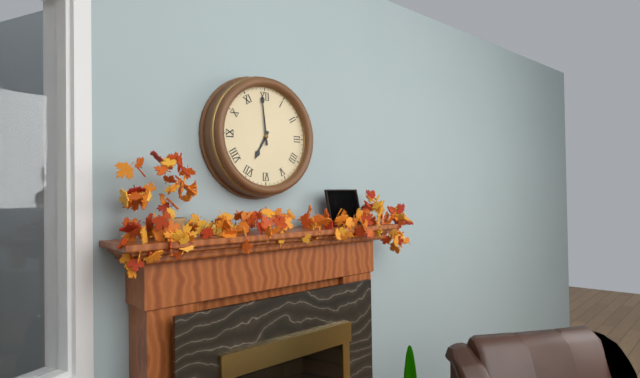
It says 6:59
